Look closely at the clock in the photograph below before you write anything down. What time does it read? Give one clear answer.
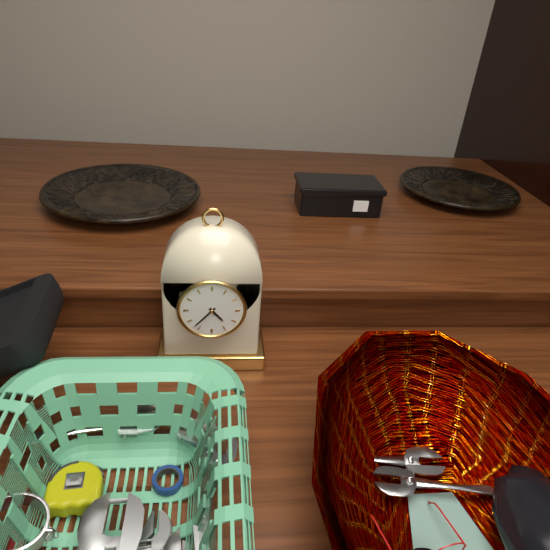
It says 4:37
